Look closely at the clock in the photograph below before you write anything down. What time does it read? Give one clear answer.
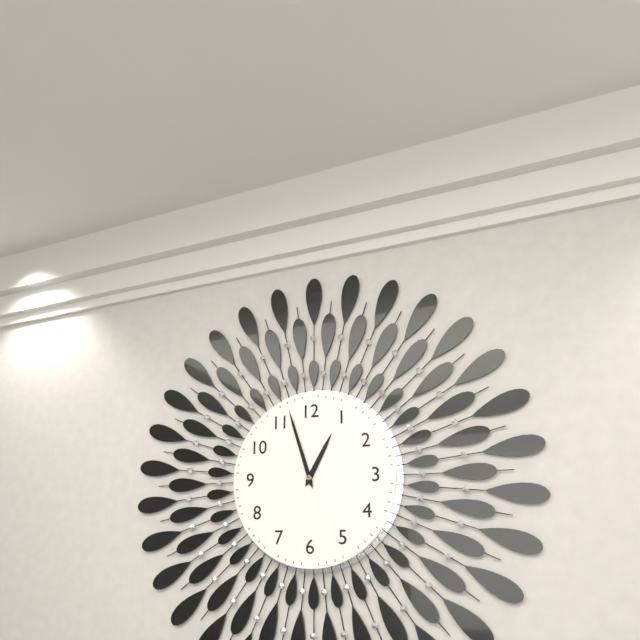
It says 12:57
